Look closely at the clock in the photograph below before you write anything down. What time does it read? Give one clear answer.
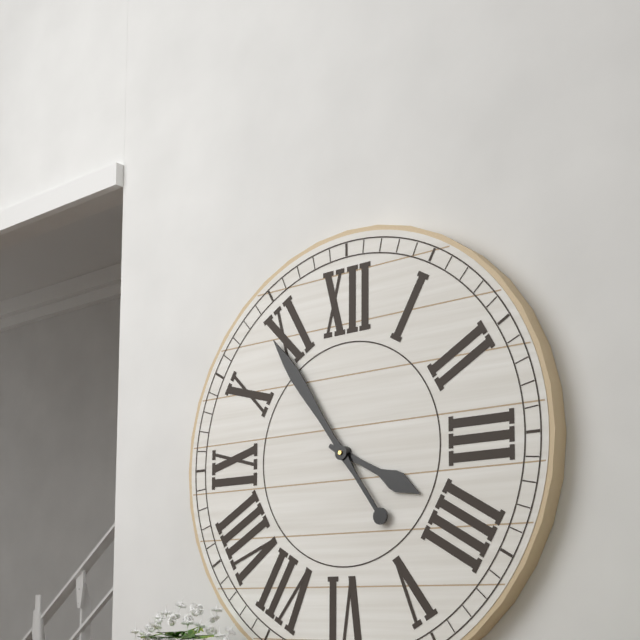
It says 3:54
